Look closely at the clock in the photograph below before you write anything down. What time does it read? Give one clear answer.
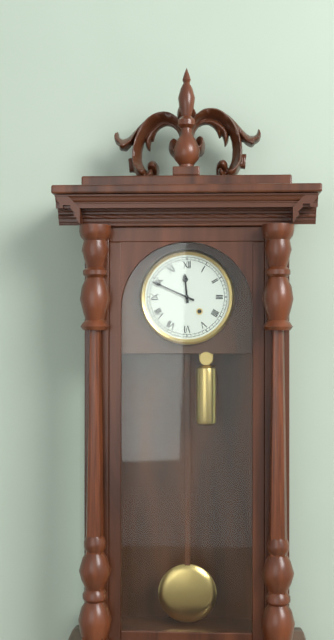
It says 11:49
